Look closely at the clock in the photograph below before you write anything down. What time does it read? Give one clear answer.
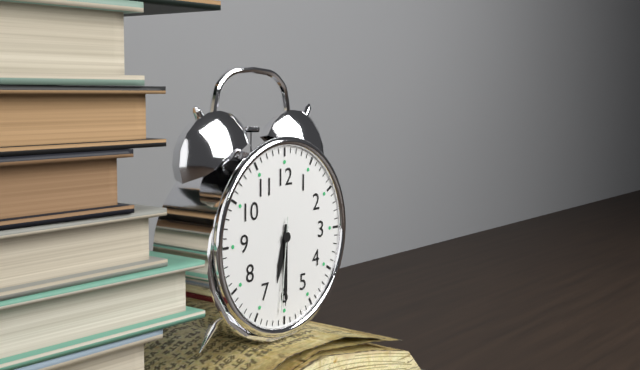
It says 6:30:31
